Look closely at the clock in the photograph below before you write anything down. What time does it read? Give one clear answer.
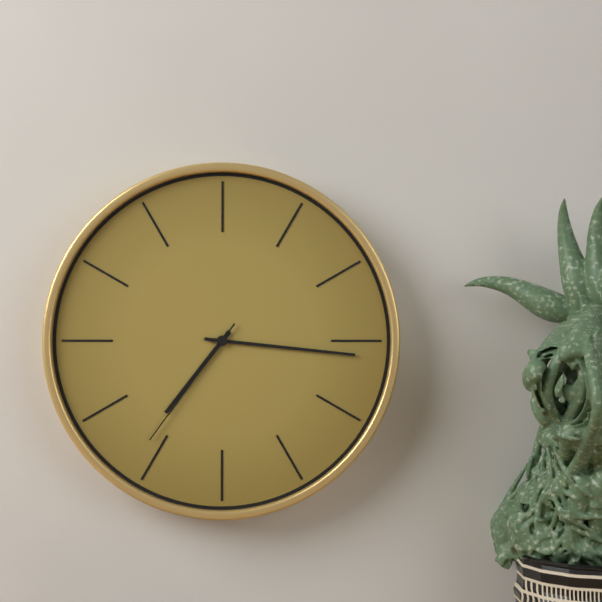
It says 7:16:36
